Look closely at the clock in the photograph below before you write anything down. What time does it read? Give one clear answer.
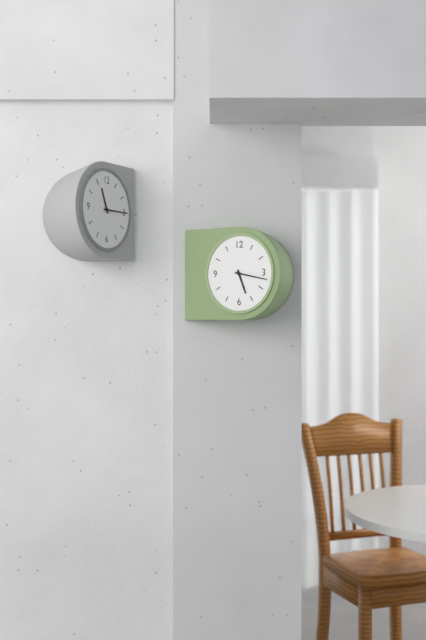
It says 5:17
